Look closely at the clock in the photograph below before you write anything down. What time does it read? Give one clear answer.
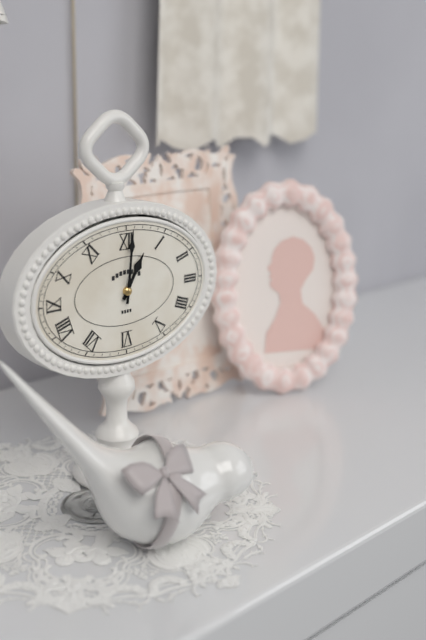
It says 1:01
